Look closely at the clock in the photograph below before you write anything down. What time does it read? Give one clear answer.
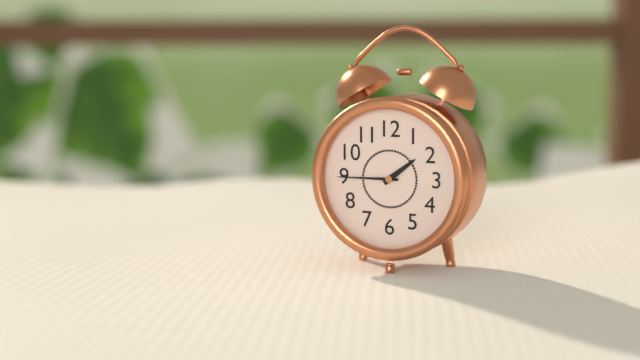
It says 1:45
